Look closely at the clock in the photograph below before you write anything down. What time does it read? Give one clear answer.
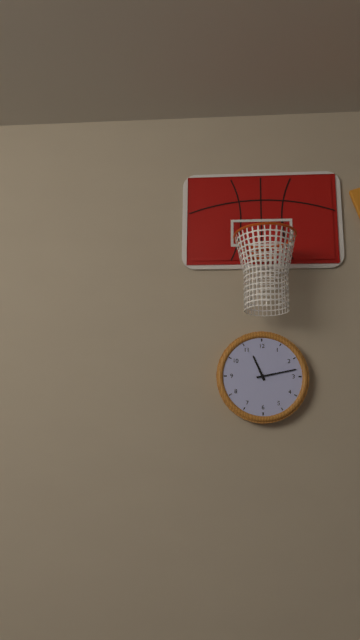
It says 11:13
